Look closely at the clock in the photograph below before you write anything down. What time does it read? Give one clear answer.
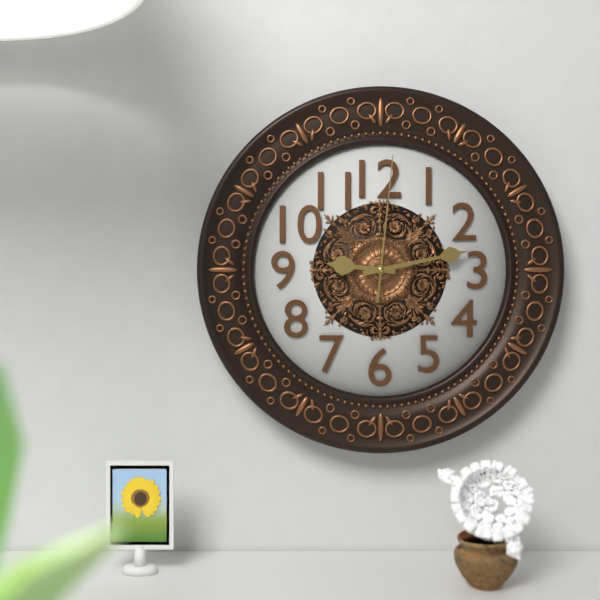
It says 9:13:01
